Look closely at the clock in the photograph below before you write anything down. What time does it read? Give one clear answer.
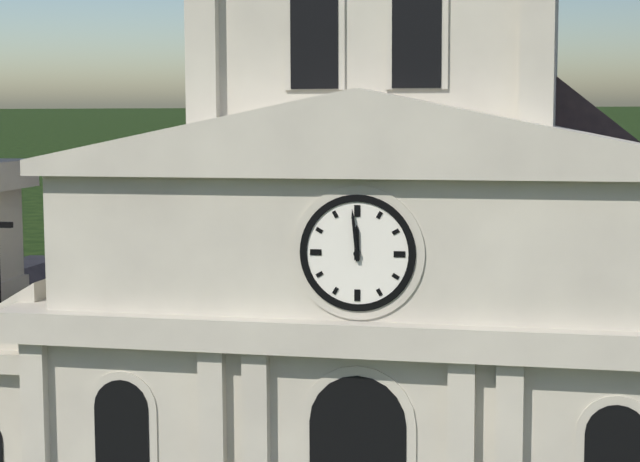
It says 11:59
